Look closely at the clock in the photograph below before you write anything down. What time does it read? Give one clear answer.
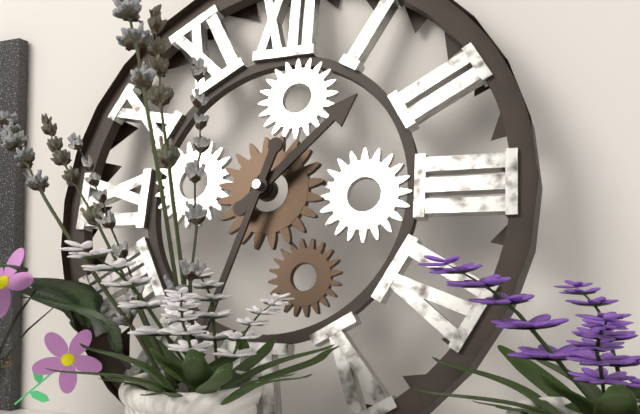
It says 1:33
